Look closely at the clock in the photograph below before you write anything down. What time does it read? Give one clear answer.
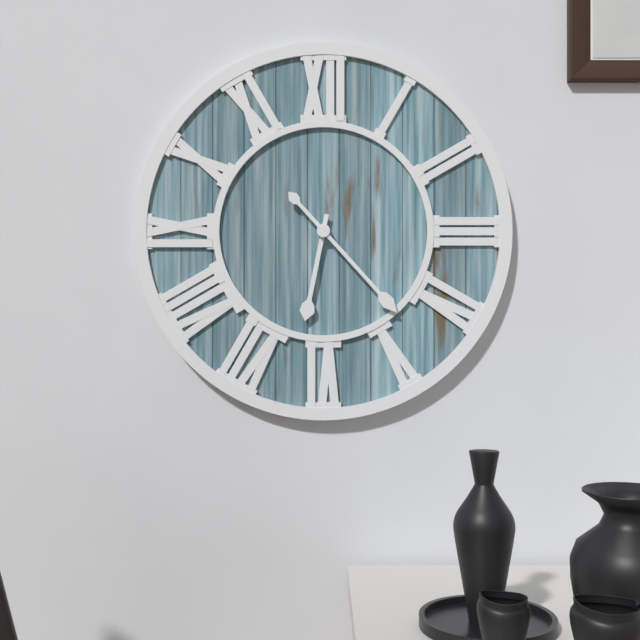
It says 6:23
